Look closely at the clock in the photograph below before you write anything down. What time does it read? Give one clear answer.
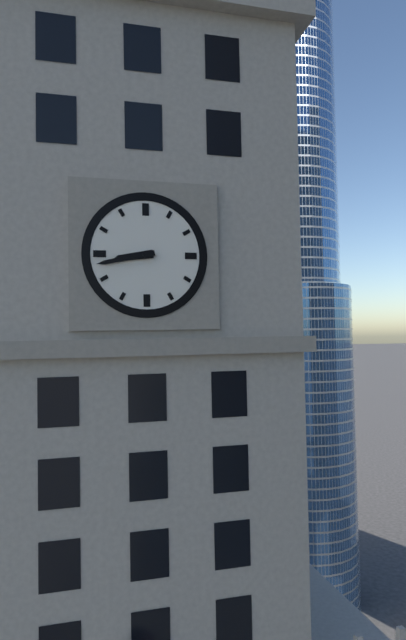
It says 8:43
